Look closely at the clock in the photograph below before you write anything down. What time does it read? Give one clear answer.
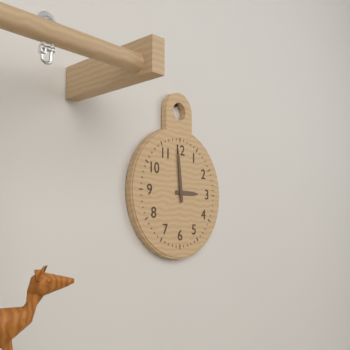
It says 2:59
